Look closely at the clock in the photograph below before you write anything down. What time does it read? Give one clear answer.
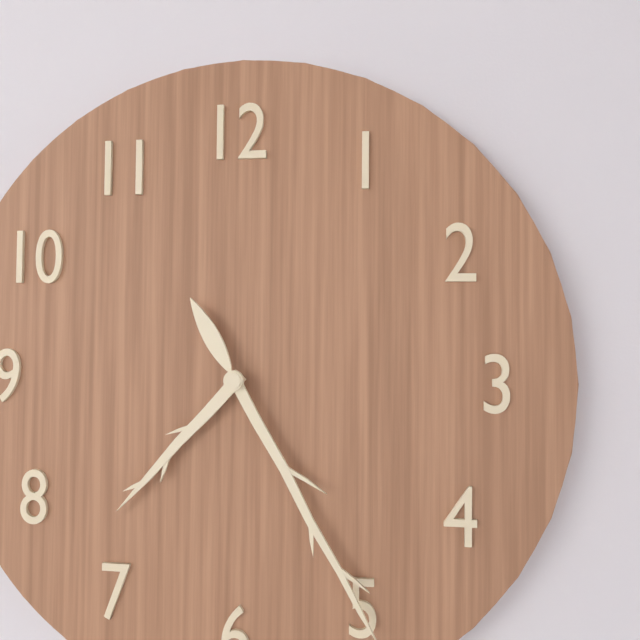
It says 7:25
